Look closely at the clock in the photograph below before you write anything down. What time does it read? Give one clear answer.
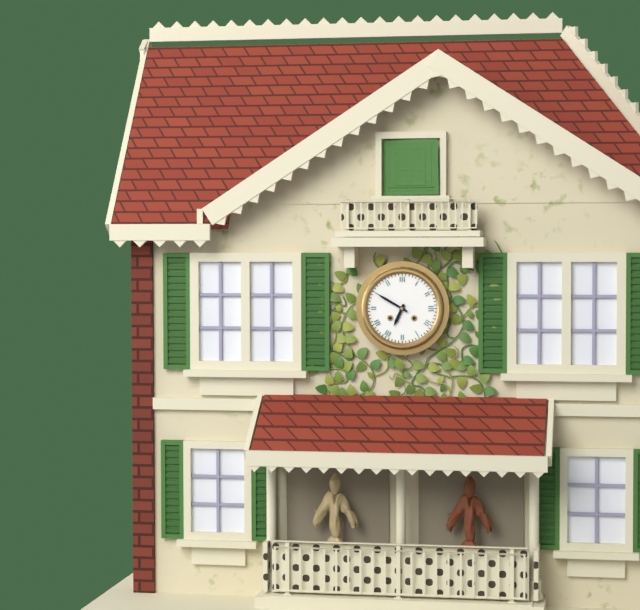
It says 6:50
